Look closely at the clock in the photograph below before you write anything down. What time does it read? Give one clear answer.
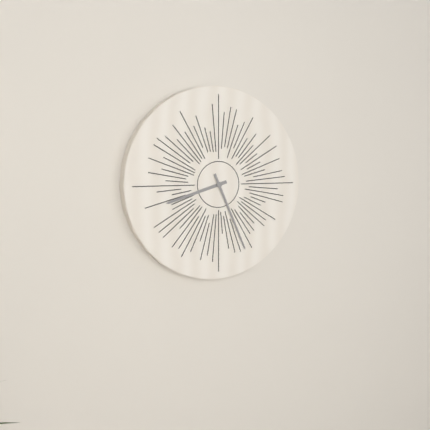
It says 8:26
